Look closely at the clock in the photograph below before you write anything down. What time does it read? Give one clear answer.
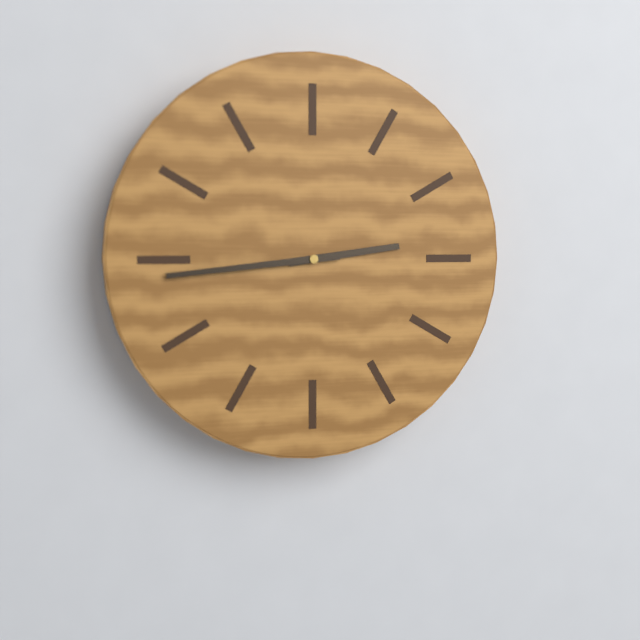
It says 2:44
